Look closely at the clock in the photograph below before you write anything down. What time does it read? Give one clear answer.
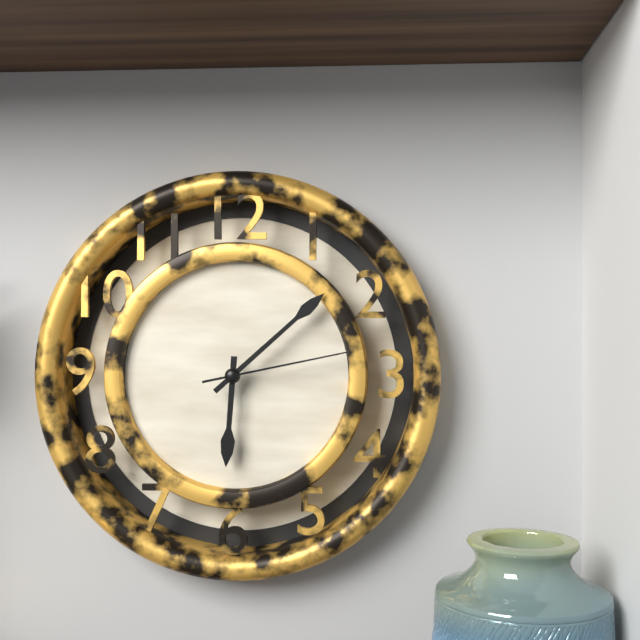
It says 6:08:13
